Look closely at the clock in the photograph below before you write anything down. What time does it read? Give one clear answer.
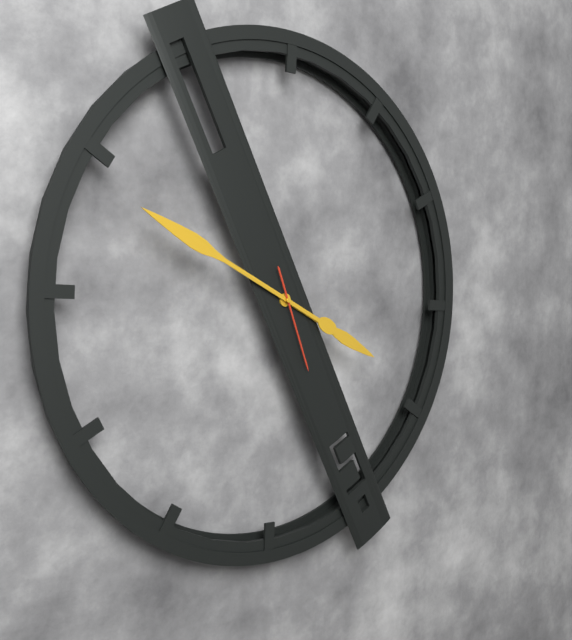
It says 3:49:26
